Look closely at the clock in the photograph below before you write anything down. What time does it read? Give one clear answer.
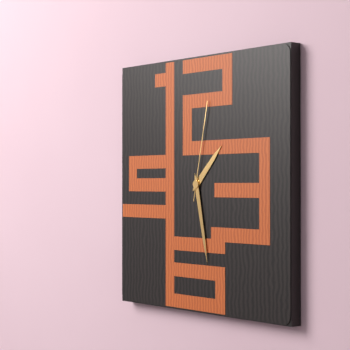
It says 1:28:02
